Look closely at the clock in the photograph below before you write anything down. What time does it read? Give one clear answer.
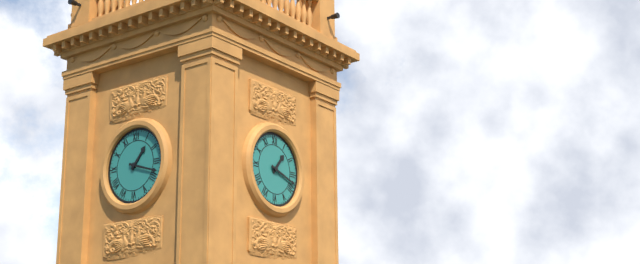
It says 1:18
